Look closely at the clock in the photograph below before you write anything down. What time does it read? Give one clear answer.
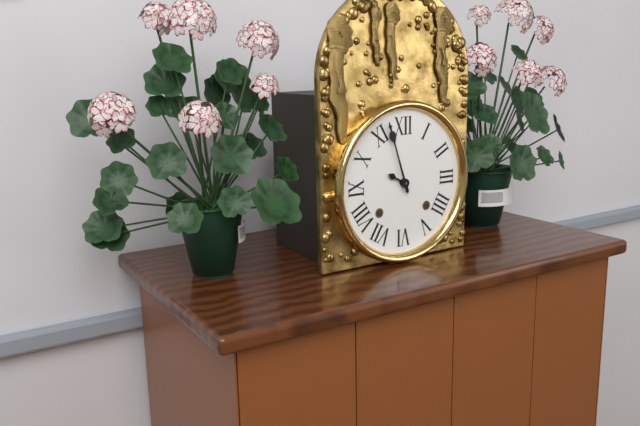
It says 9:57
